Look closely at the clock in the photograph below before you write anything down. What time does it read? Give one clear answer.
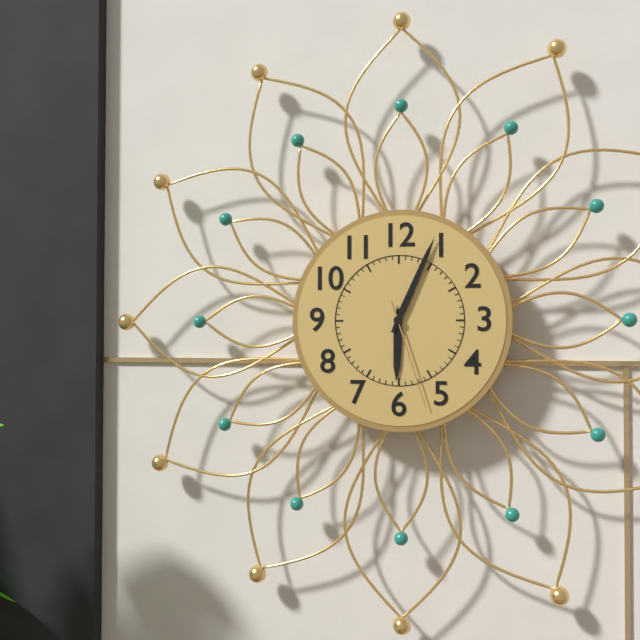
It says 6:04:27
